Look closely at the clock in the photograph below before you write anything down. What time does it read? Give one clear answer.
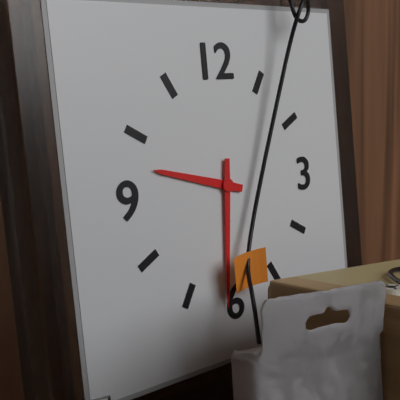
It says 9:31
